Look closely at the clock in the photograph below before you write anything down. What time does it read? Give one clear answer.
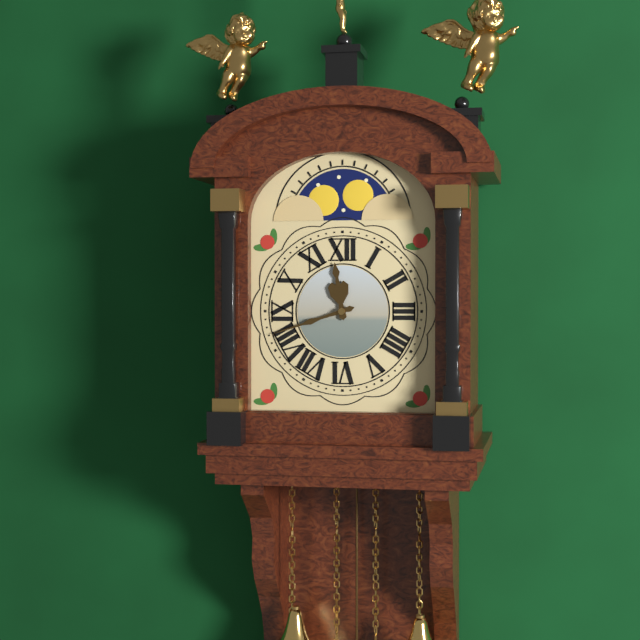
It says 11:42
